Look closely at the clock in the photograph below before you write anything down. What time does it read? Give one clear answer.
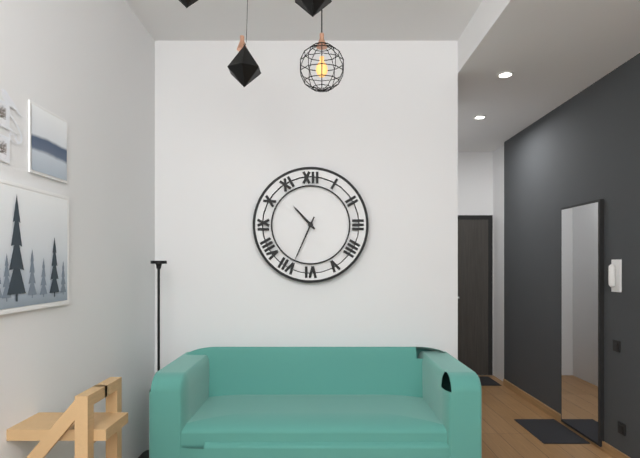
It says 10:34
